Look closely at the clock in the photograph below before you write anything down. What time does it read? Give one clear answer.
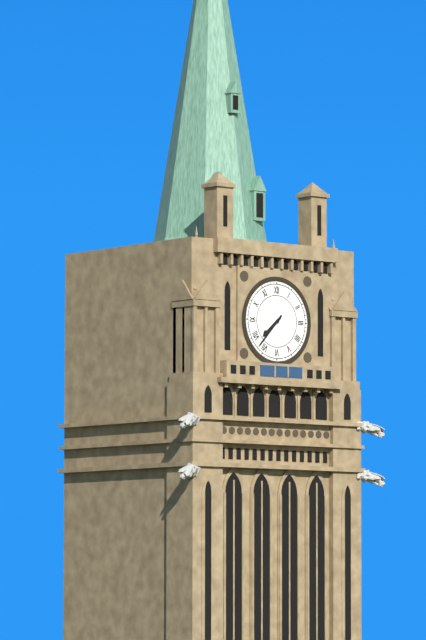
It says 7:37
